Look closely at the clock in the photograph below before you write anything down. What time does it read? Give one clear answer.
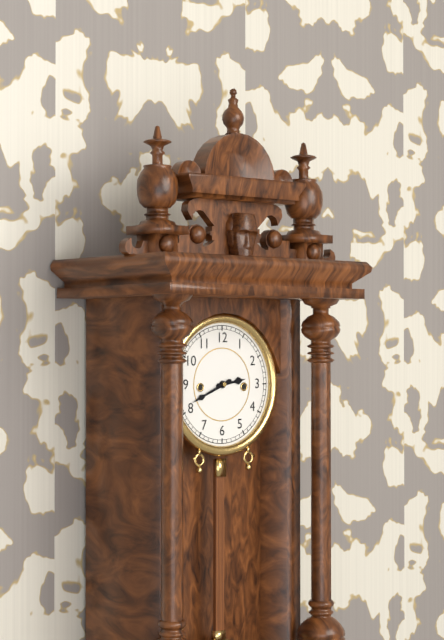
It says 2:41
